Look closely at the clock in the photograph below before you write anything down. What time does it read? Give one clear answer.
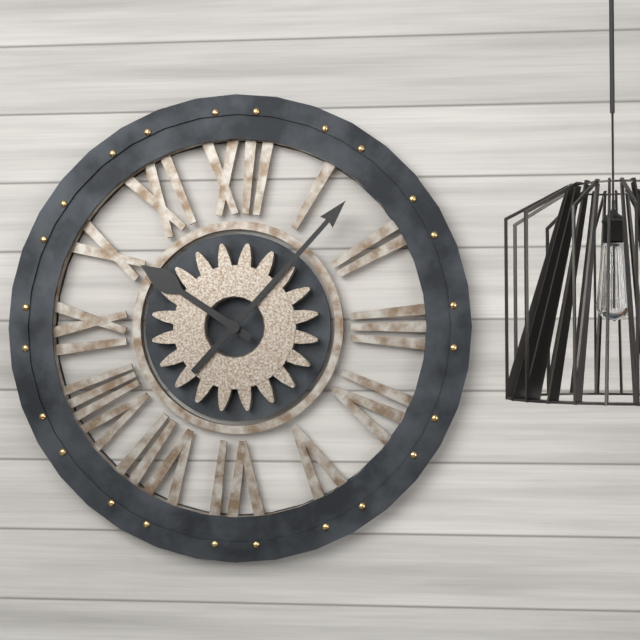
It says 10:07
